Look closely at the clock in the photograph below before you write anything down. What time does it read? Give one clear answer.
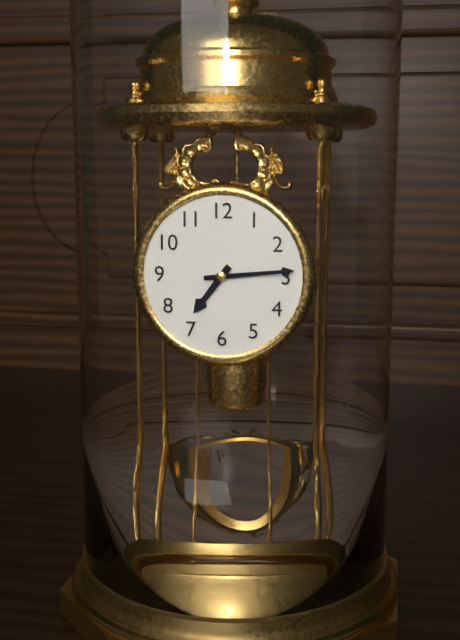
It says 7:14
